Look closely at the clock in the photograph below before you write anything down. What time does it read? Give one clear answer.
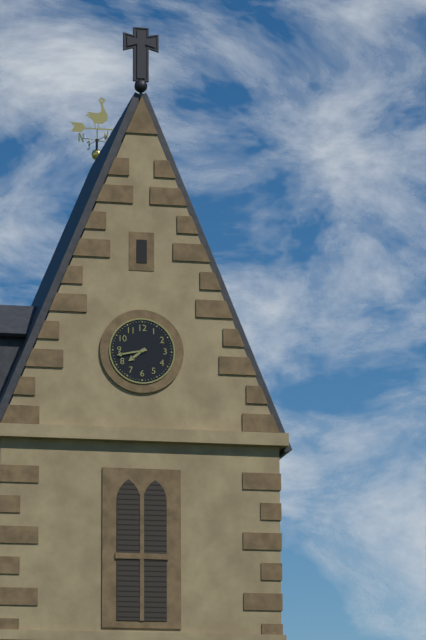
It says 7:43
